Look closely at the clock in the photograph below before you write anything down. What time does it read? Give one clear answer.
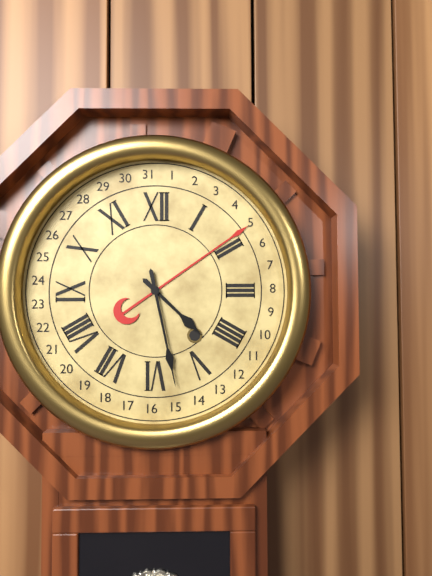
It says 4:28
